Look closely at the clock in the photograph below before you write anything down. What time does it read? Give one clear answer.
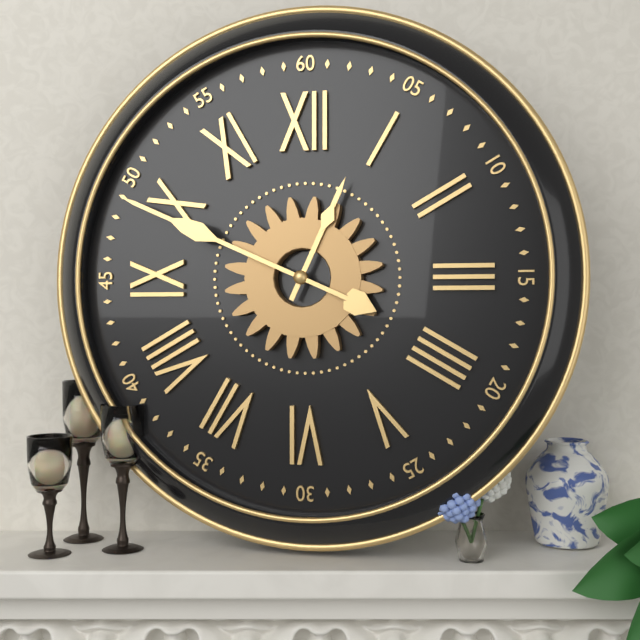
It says 12:49
